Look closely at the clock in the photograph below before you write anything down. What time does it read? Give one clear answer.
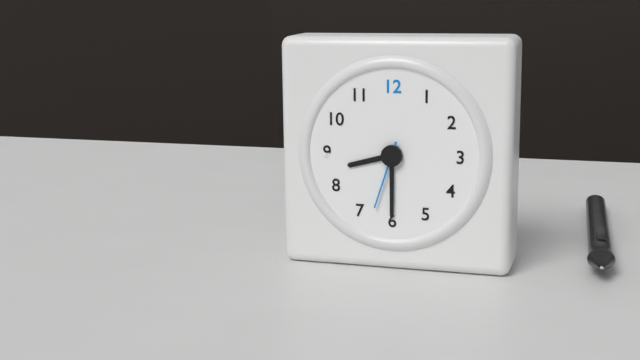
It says 8:30:33
